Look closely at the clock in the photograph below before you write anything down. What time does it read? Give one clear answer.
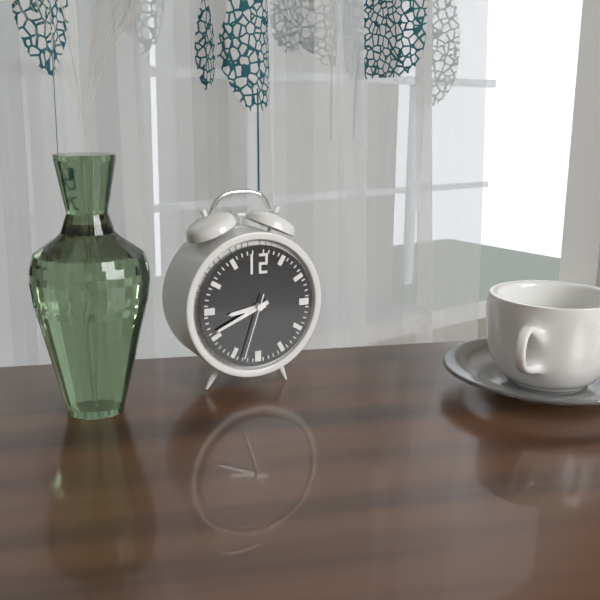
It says 8:41:33
